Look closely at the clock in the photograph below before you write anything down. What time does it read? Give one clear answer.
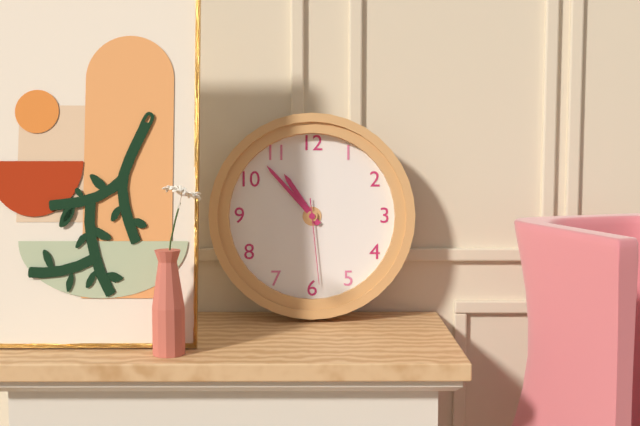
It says 10:53:29
